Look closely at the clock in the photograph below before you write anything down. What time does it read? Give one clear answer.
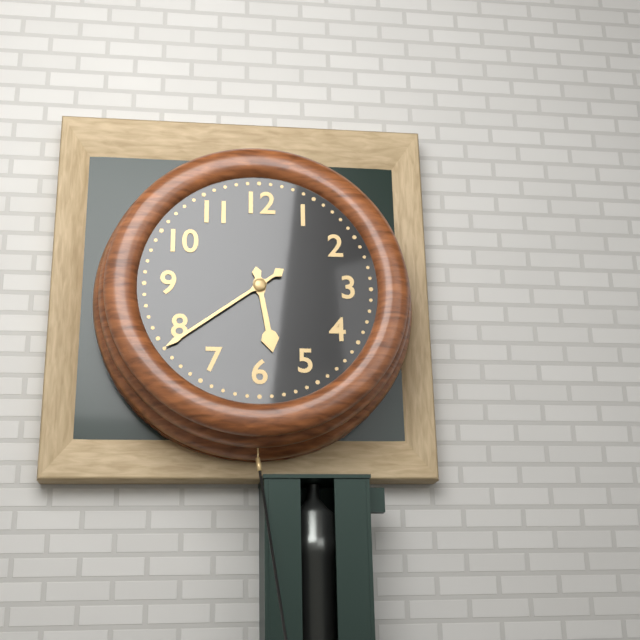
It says 5:39
